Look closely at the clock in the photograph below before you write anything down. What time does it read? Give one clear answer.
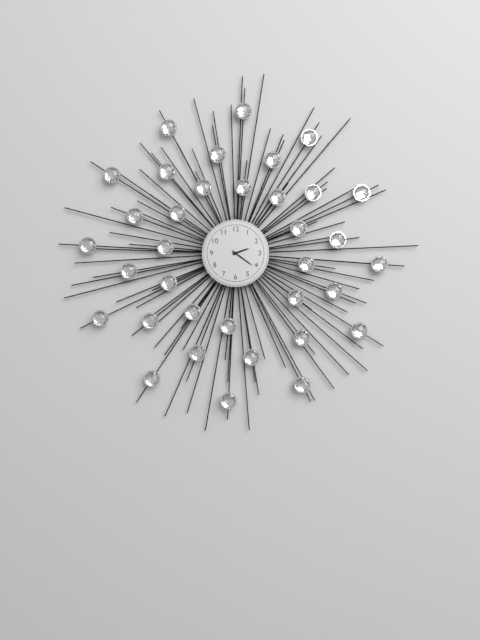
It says 2:21
